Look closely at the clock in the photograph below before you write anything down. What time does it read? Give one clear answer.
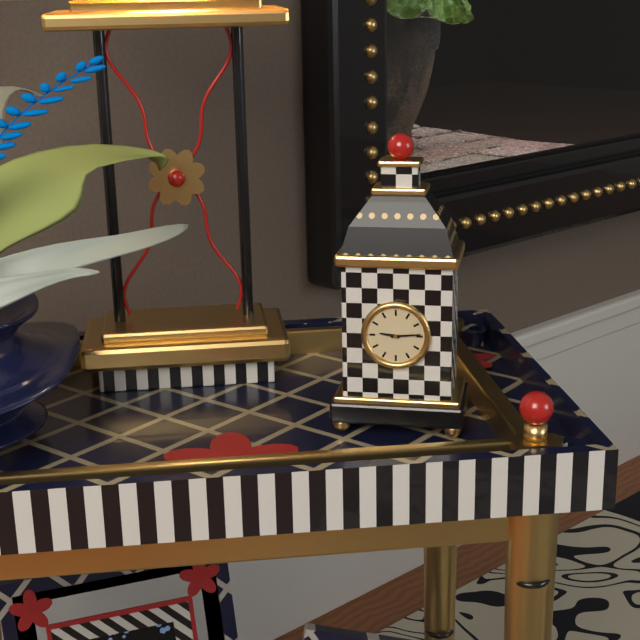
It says 9:14
